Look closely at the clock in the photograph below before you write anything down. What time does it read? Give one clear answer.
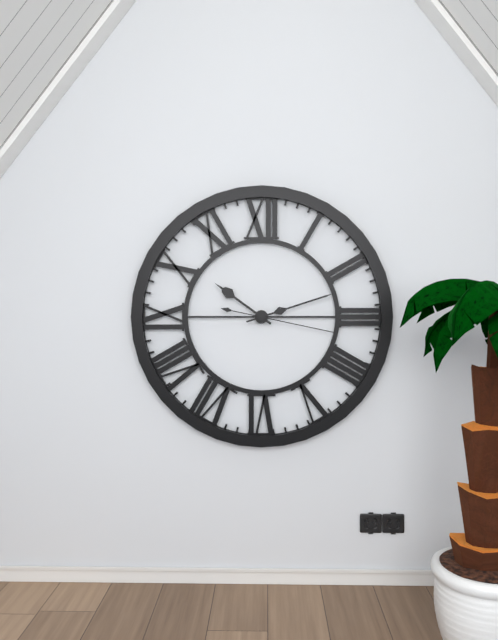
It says 10:12:17
